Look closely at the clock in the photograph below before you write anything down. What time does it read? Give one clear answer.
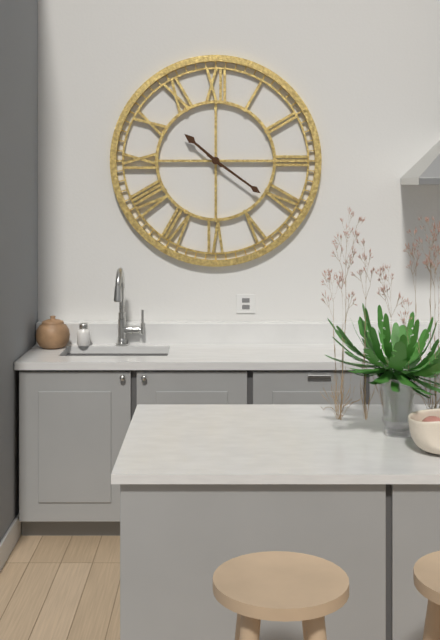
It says 10:21
